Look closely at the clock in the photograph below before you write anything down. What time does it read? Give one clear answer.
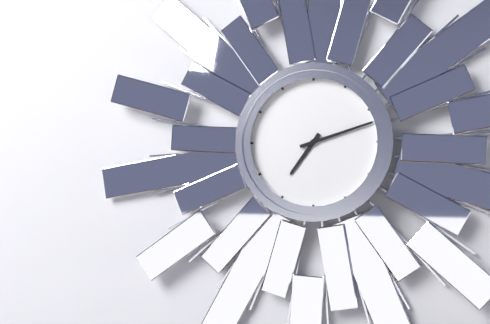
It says 7:12
